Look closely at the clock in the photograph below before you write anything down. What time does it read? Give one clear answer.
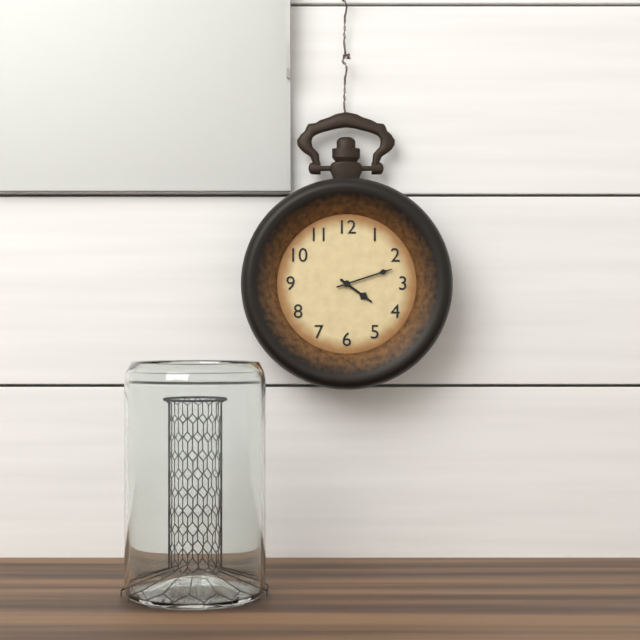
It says 4:12
